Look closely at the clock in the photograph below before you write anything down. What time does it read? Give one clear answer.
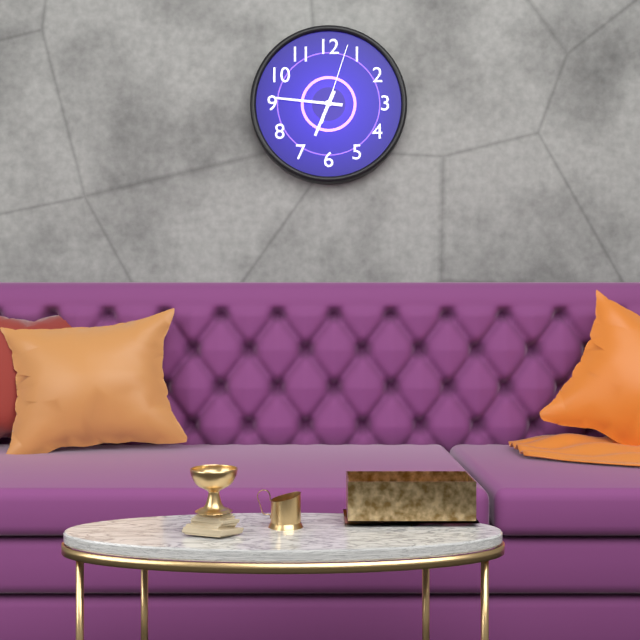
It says 6:46:03
